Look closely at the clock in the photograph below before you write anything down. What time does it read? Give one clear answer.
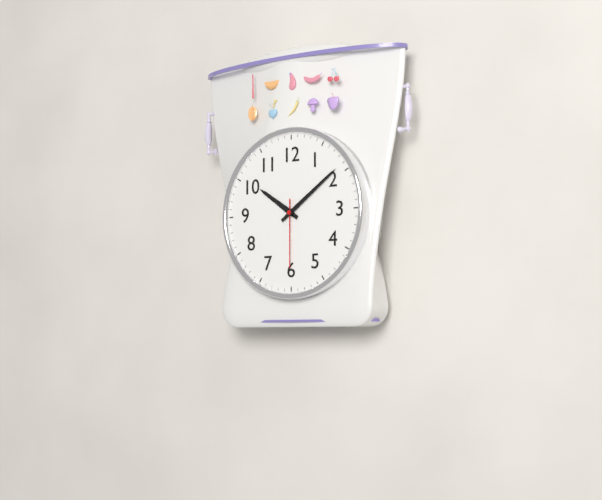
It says 10:09:30
